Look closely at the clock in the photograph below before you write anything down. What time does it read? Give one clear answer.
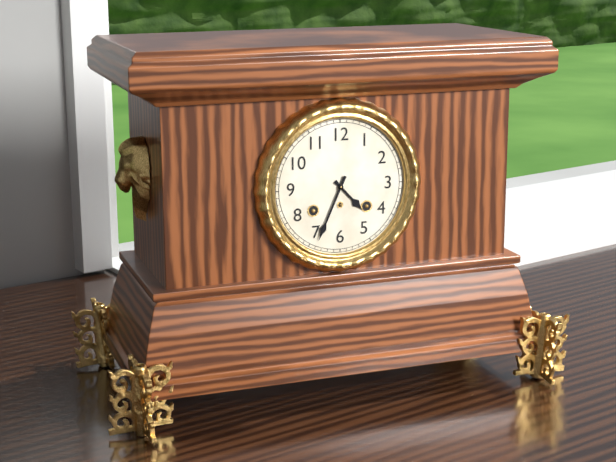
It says 4:34
